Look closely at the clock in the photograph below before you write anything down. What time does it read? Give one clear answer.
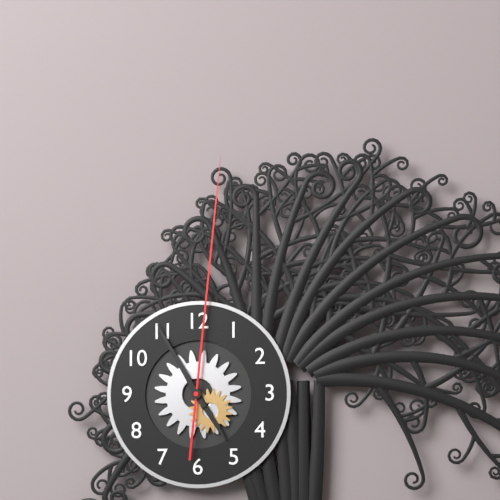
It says 4:55:01
